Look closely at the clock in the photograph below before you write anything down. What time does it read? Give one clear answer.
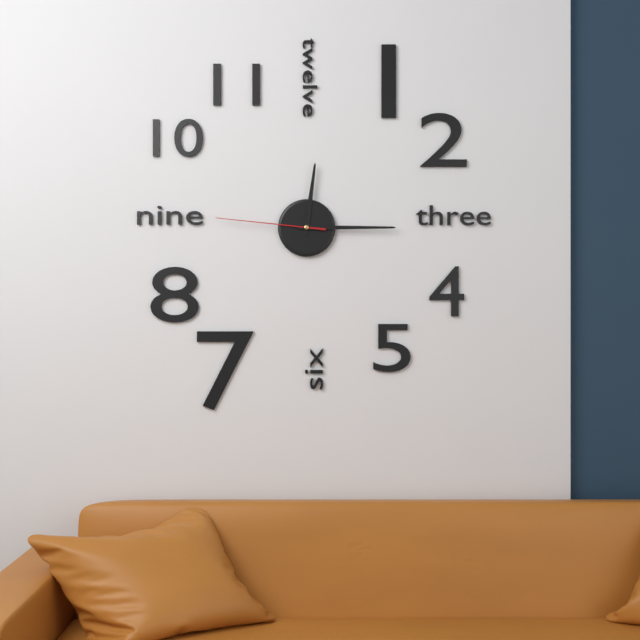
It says 12:15:46
